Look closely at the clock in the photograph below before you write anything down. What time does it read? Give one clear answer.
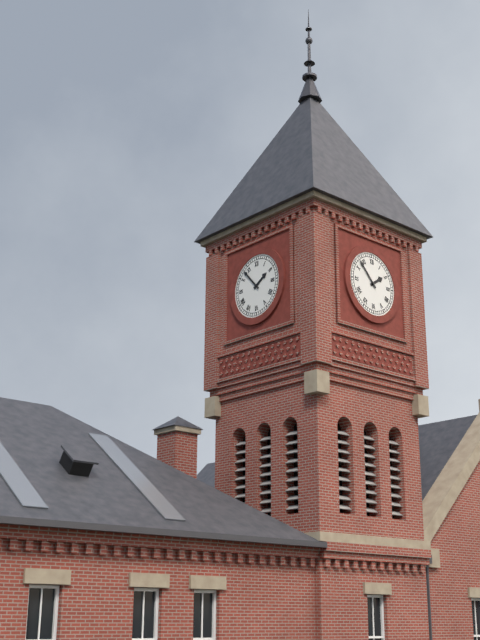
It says 1:53
